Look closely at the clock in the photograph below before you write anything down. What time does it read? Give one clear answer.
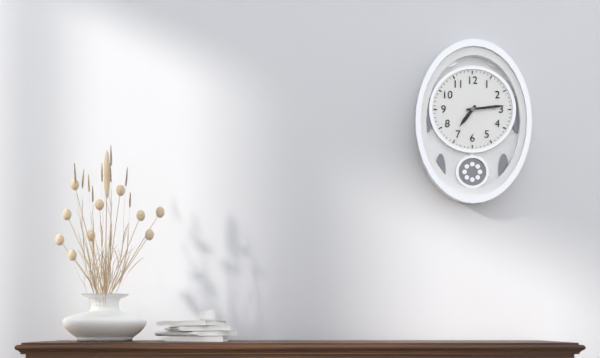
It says 7:14
